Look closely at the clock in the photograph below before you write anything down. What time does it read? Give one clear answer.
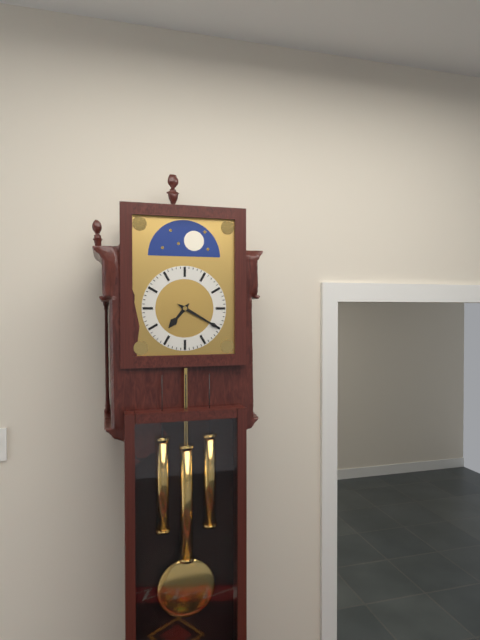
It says 7:20
